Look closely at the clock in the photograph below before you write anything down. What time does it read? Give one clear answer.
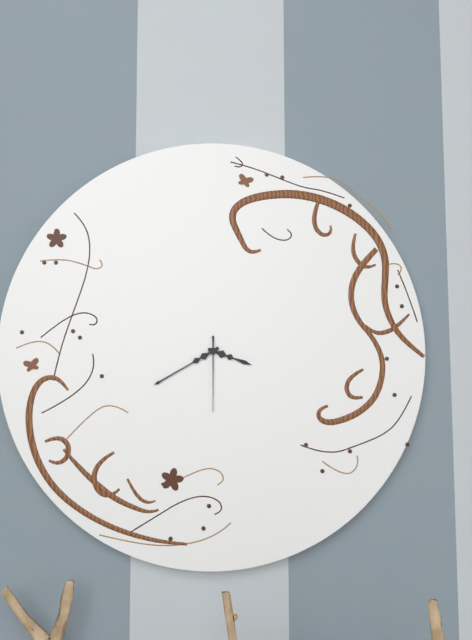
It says 3:40:30
